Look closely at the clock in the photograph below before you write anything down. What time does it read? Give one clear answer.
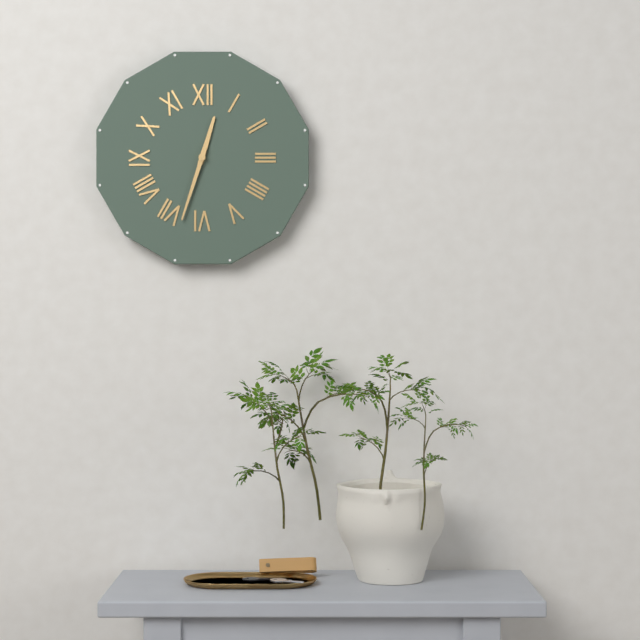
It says 12:33
